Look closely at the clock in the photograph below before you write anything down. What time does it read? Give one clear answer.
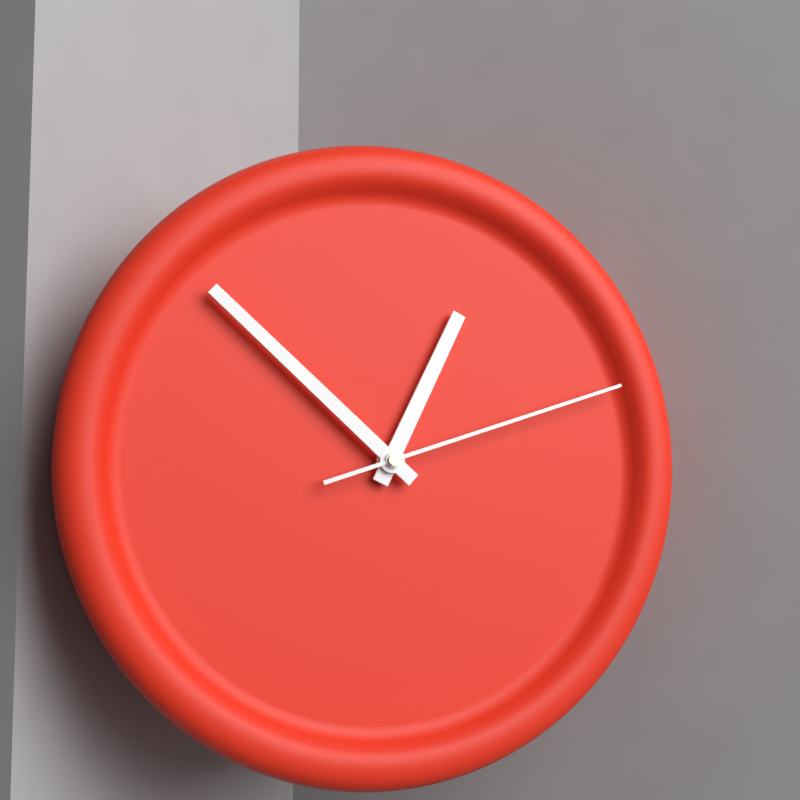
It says 12:52:12
